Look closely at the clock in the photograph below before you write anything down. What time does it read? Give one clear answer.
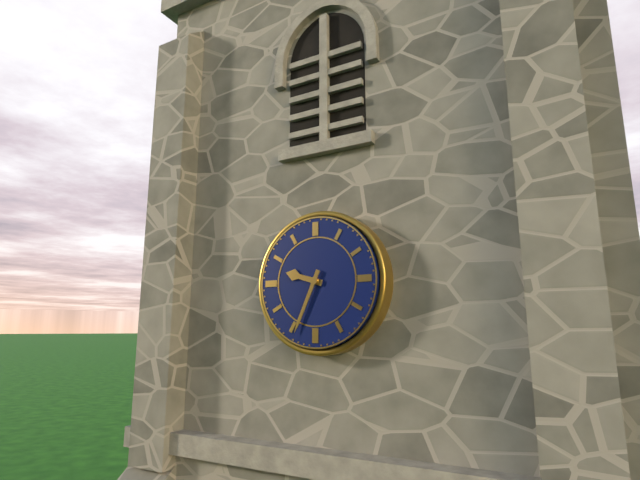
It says 9:34
